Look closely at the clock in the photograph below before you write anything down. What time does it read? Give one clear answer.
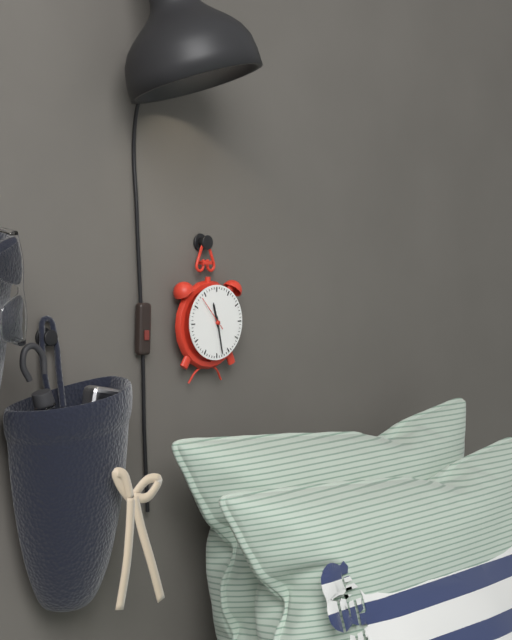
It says 11:28
